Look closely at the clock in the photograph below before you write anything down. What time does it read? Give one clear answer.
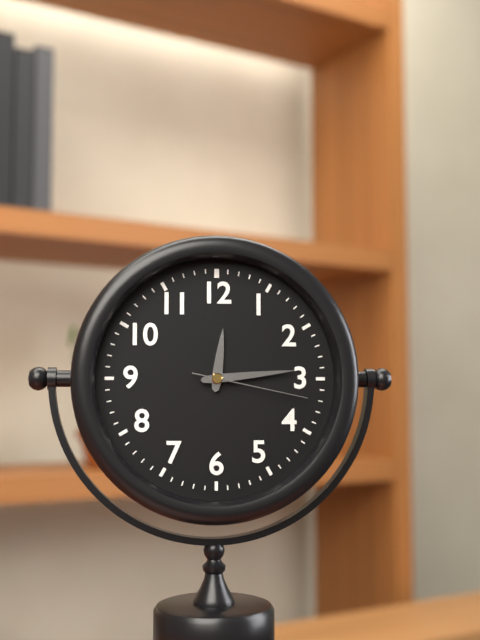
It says 12:14:17
